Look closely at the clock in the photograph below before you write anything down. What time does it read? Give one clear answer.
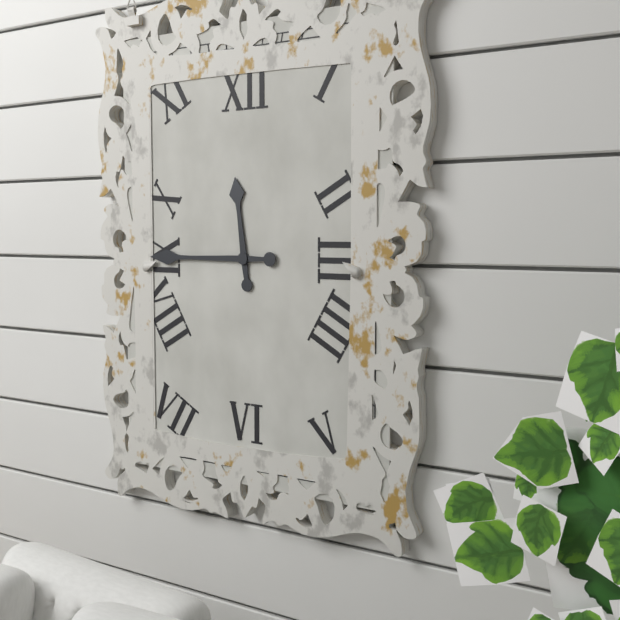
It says 11:45
